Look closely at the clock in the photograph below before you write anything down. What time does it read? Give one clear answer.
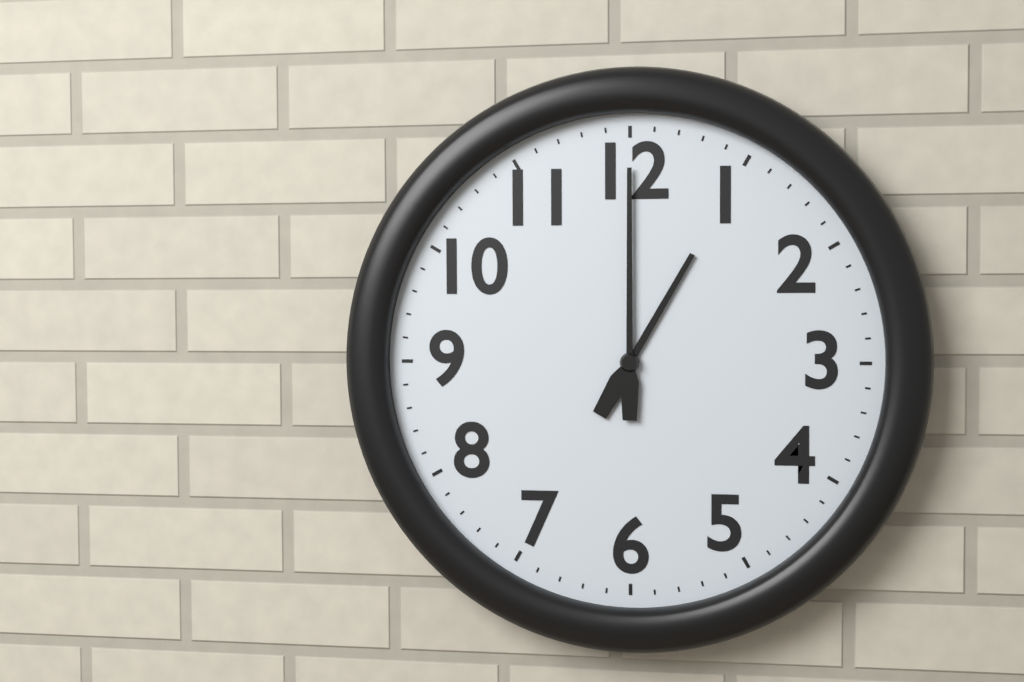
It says 1:00
